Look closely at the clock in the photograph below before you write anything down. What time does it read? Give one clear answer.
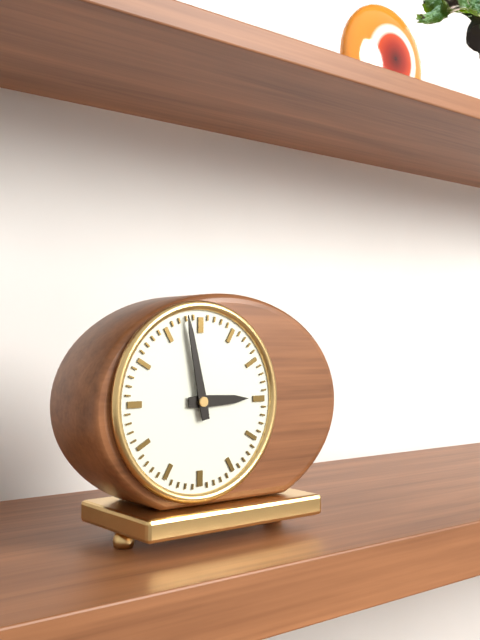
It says 2:58
